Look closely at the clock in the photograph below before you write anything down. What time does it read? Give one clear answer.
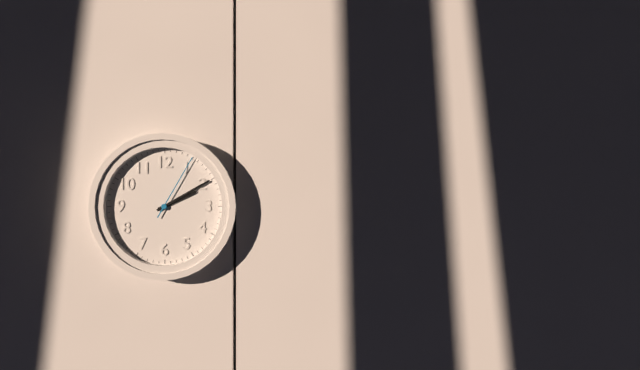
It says 2:10:05
